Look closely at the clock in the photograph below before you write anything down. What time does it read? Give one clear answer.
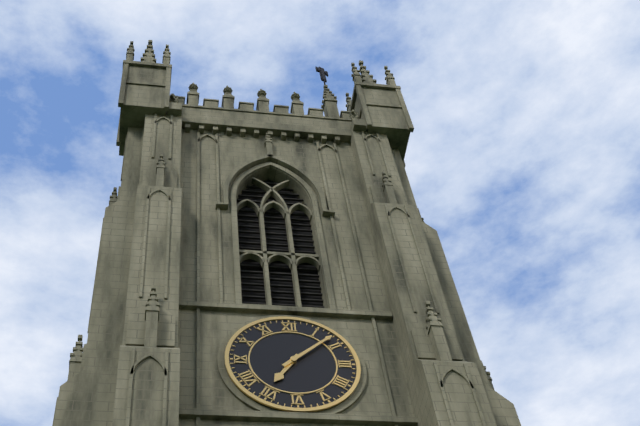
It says 7:08
